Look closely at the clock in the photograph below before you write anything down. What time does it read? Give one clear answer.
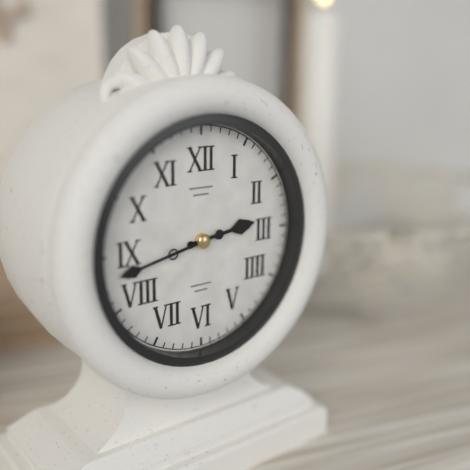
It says 2:43
